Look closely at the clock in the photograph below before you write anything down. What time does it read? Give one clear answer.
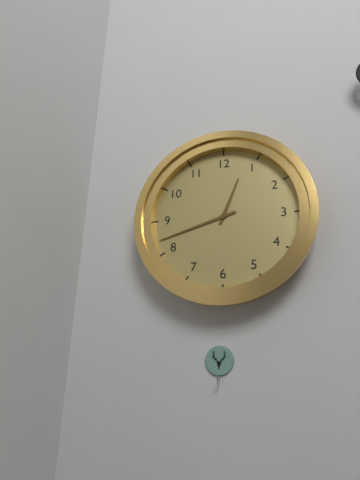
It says 12:42
